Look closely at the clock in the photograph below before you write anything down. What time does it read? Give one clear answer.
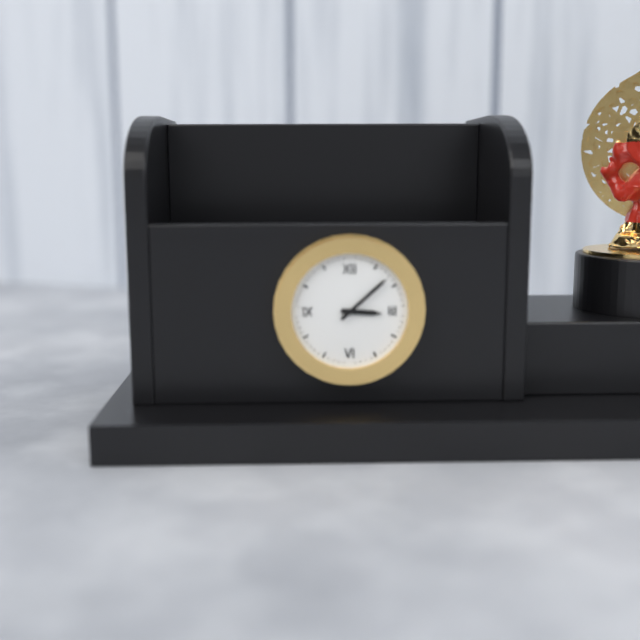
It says 3:08
